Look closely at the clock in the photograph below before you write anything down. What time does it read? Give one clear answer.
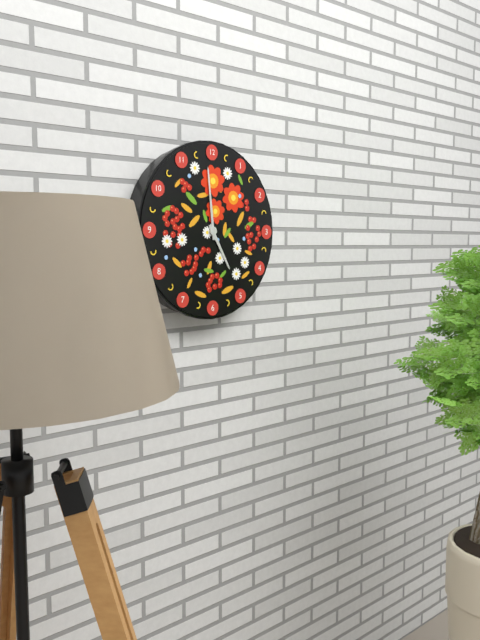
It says 4:59
